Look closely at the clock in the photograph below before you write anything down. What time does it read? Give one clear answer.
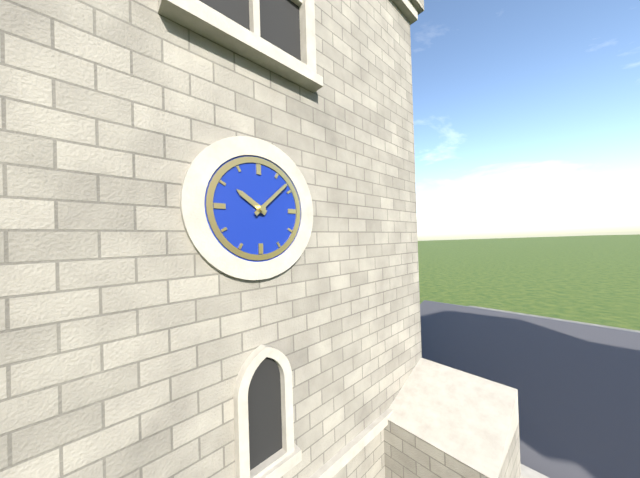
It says 10:08
